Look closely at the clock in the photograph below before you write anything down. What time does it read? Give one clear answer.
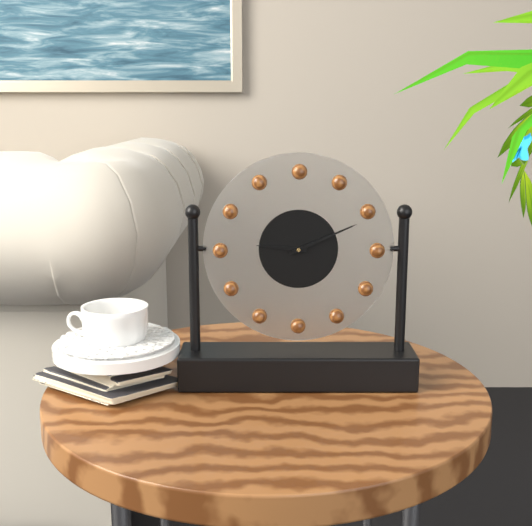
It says 9:11
